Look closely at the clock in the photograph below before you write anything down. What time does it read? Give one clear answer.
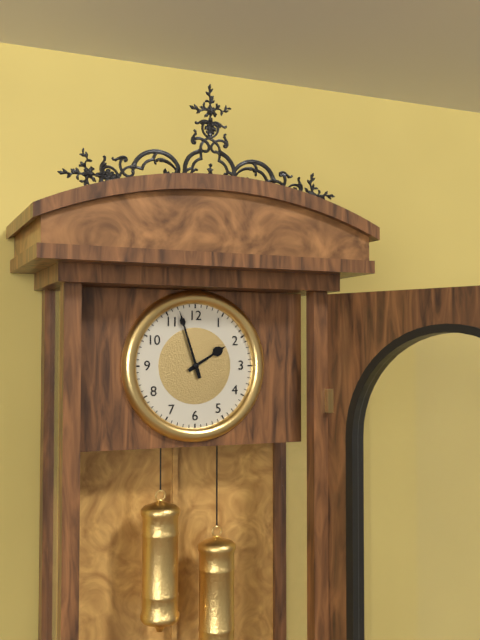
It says 1:57
